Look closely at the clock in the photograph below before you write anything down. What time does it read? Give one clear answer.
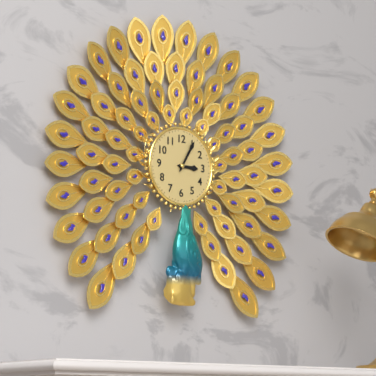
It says 3:05
